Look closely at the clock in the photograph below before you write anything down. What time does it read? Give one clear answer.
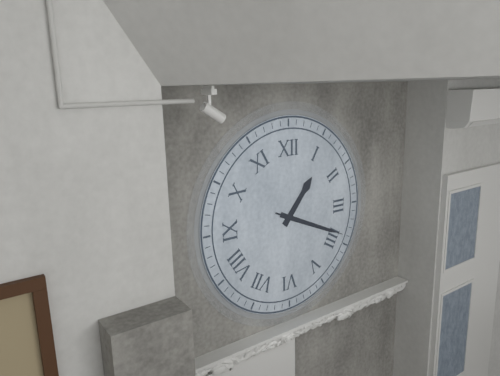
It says 1:19:19
